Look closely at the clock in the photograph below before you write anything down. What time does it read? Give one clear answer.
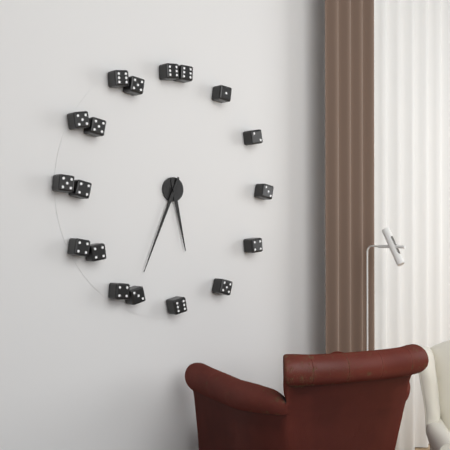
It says 5:34
